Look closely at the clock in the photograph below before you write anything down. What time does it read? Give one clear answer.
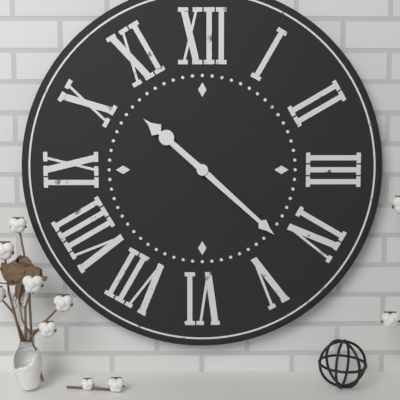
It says 10:22
